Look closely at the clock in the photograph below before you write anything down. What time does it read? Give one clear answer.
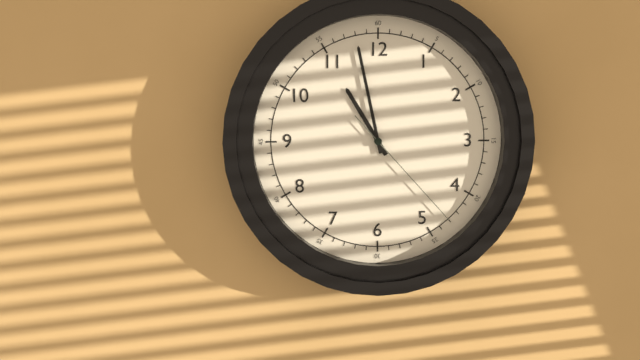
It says 10:58:23
